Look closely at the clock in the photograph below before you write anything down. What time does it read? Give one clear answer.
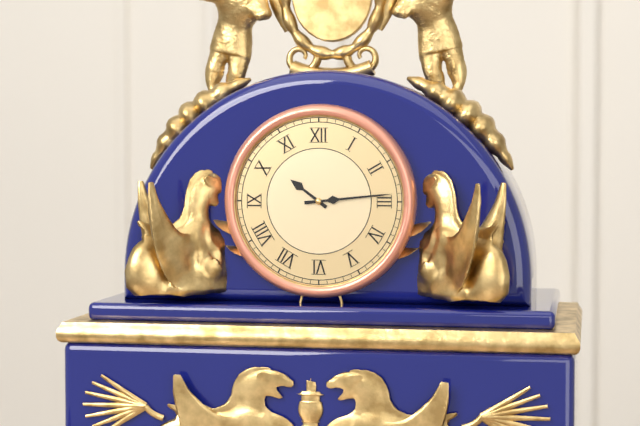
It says 10:14
